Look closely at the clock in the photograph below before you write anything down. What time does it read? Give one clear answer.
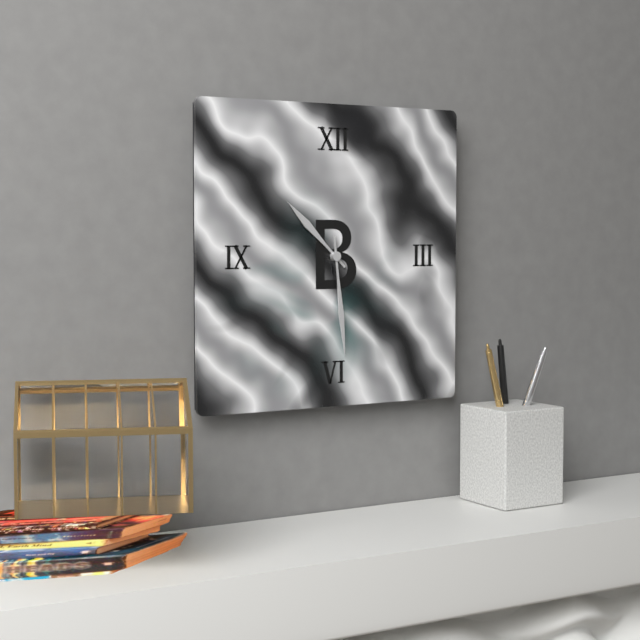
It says 10:29
